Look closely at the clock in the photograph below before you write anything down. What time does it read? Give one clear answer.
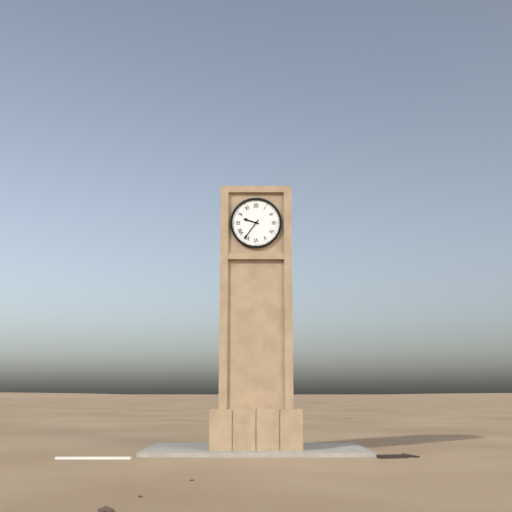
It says 9:36
